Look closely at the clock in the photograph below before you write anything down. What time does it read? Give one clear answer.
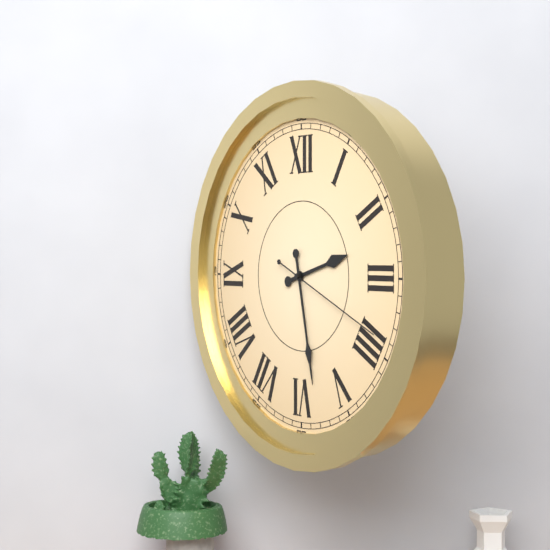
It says 2:28:19
